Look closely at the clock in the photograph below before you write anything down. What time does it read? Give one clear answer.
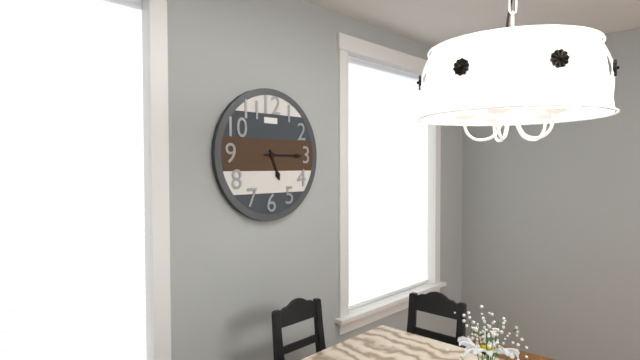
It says 5:15
